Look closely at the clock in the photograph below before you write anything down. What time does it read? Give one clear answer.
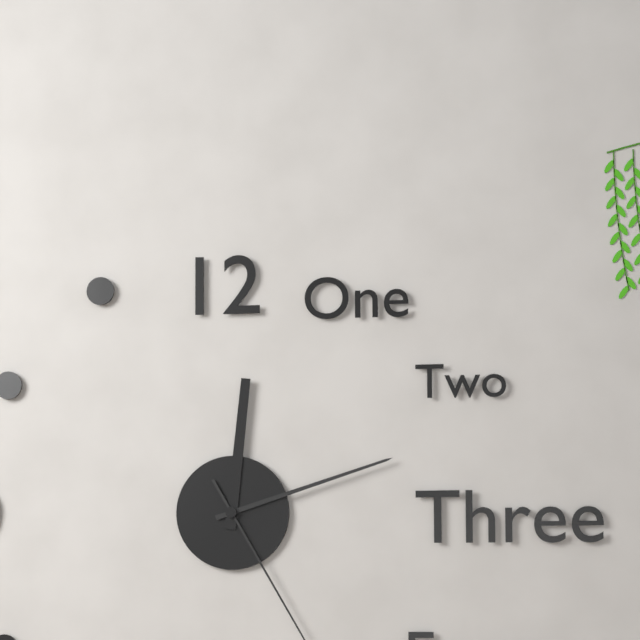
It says 12:12
